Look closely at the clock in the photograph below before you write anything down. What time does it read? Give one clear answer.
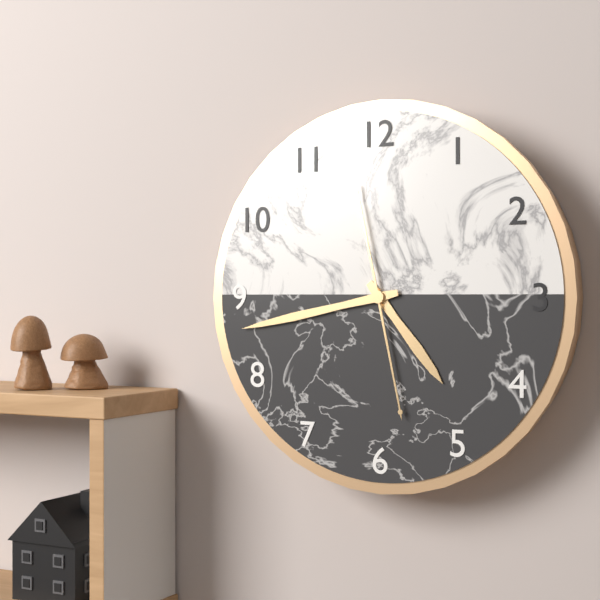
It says 4:43:28
